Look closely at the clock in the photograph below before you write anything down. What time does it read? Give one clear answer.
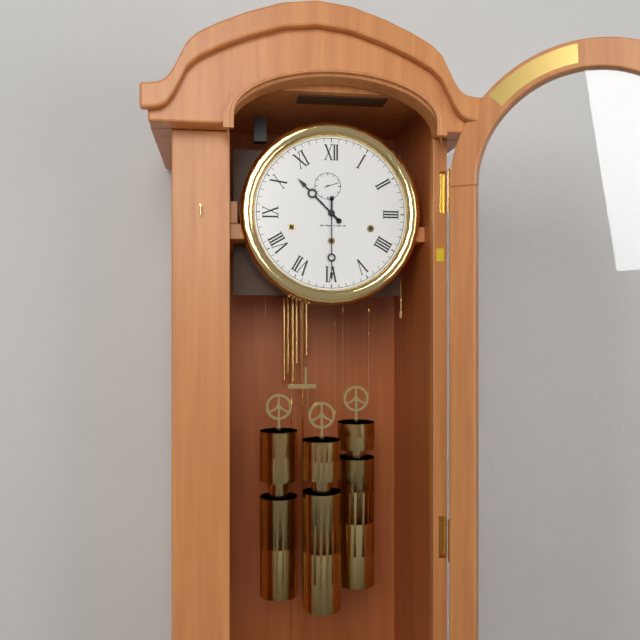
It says 10:30
